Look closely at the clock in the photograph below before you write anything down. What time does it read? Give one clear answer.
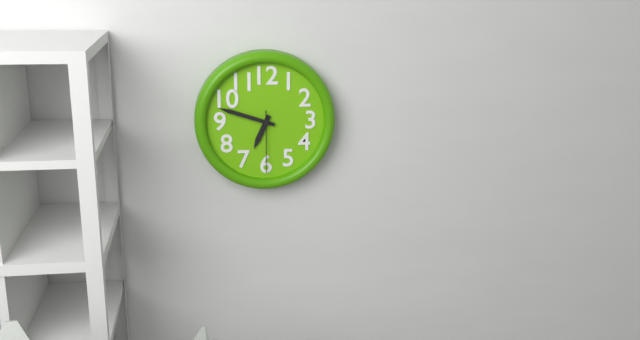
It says 6:48:30
